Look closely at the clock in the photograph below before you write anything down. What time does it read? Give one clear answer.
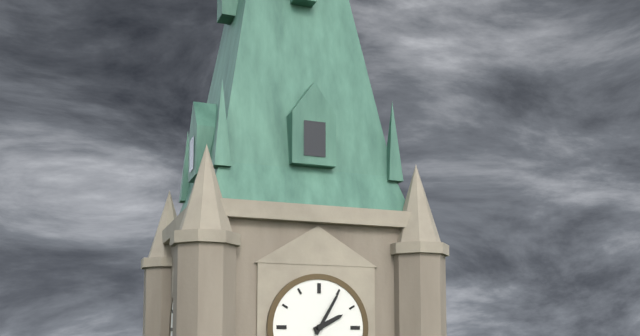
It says 2:05
